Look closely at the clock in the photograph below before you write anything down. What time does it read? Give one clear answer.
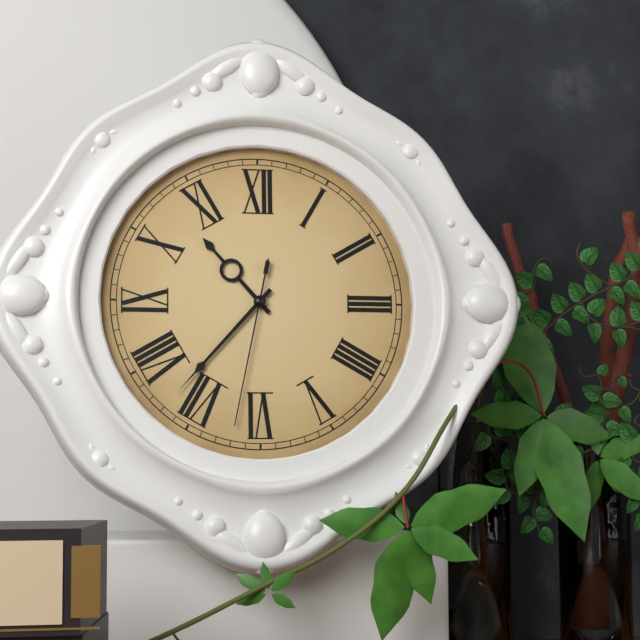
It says 10:37:32
